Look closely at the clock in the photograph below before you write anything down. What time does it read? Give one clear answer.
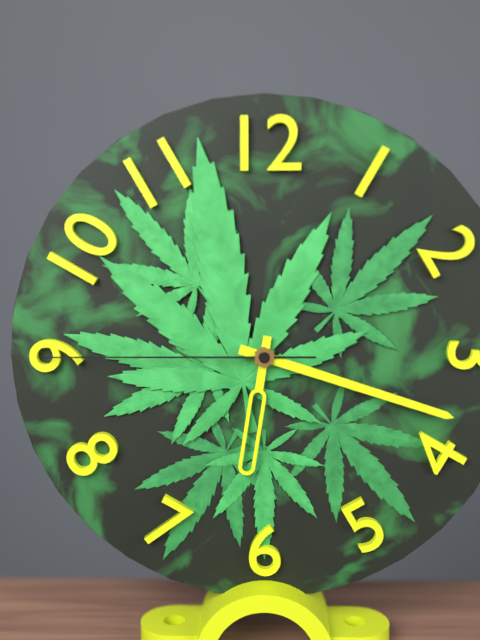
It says 6:18:45
